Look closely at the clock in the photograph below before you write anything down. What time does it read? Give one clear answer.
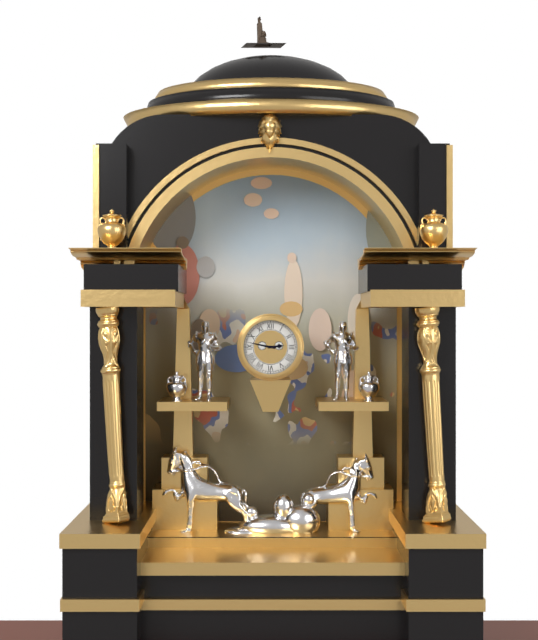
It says 2:47
